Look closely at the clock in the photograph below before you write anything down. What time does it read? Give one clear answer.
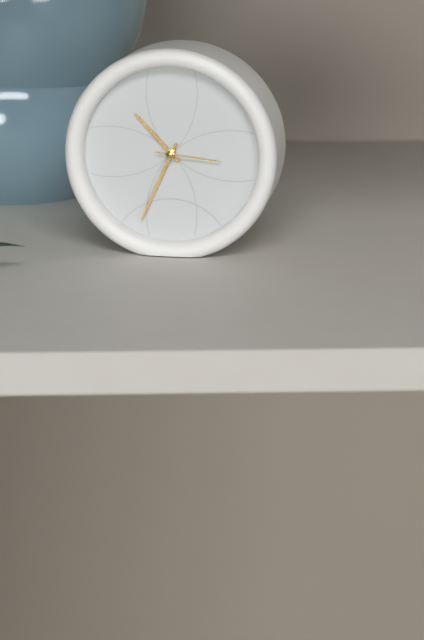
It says 10:34:16
